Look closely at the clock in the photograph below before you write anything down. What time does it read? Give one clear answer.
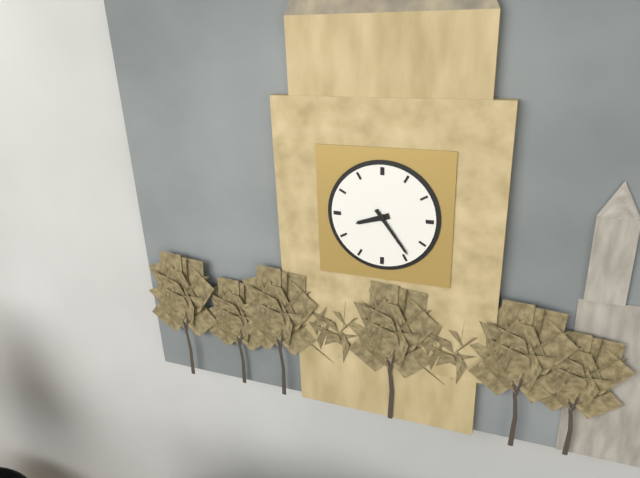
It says 8:24
